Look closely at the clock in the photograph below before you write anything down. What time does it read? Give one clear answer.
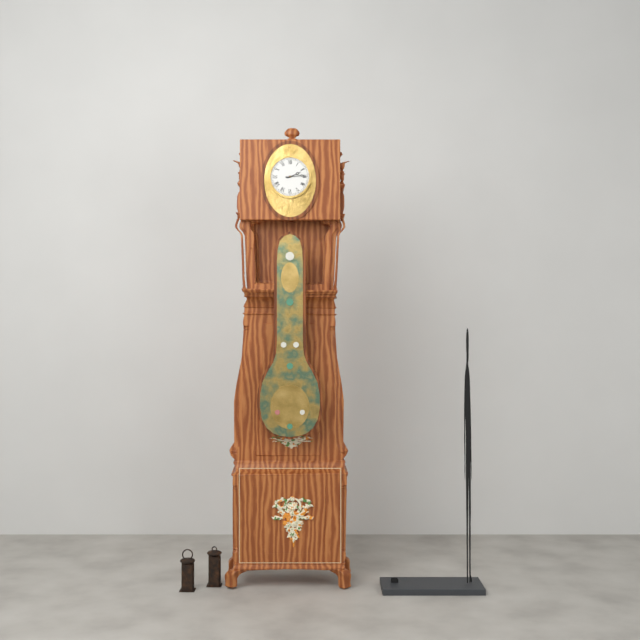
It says 2:14
